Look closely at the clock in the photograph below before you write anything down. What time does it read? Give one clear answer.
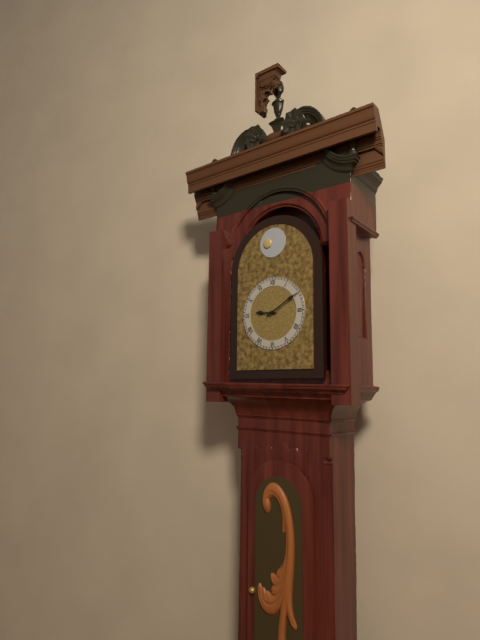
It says 9:10
